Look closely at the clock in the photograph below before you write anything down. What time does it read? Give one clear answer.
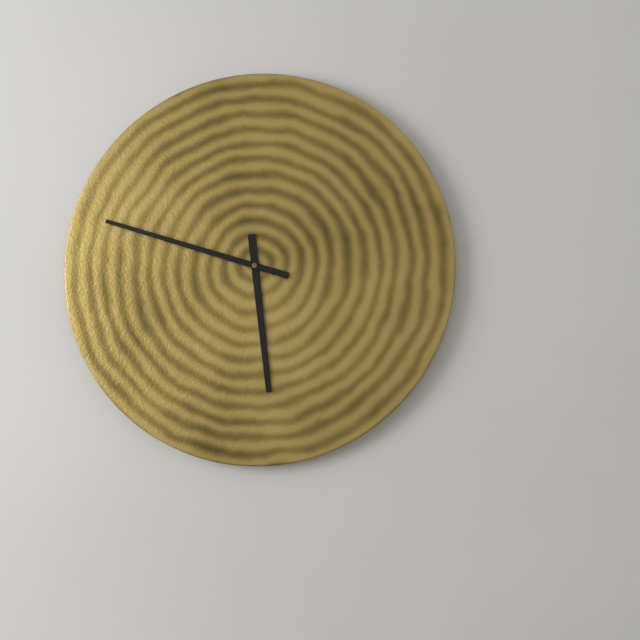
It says 5:48
